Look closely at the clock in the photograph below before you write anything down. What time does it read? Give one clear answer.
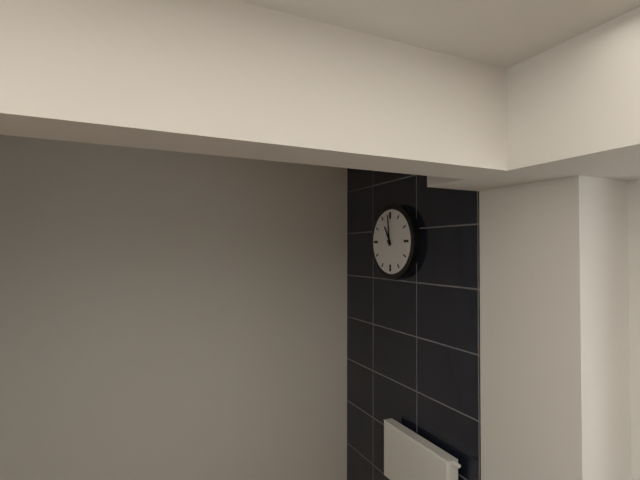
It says 10:59
